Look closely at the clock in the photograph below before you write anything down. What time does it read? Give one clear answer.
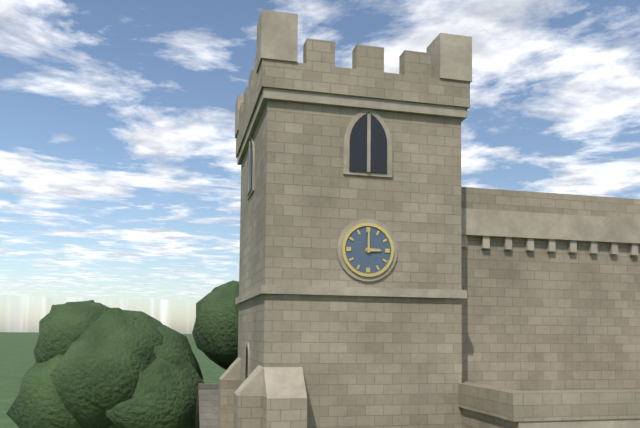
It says 3:00
